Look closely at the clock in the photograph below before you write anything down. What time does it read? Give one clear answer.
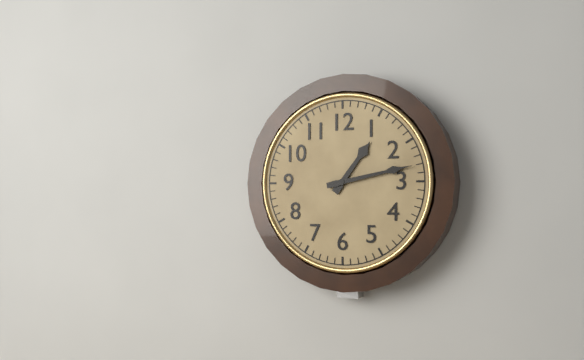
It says 1:13
